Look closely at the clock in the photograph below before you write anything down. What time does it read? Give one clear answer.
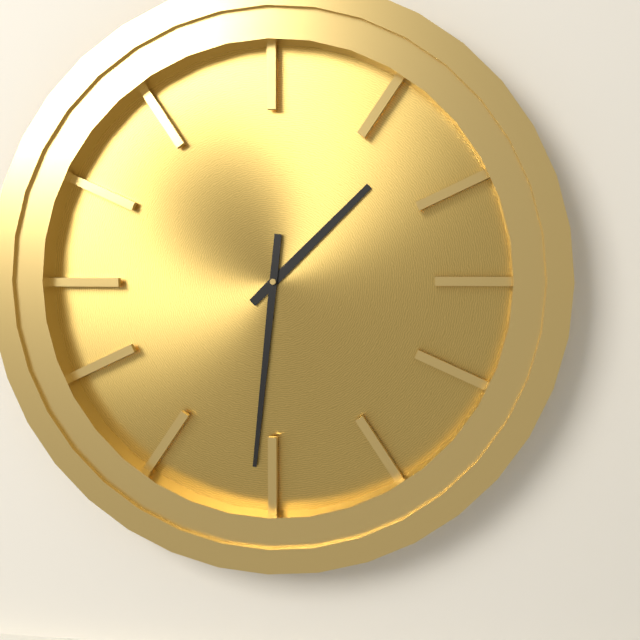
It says 1:31
